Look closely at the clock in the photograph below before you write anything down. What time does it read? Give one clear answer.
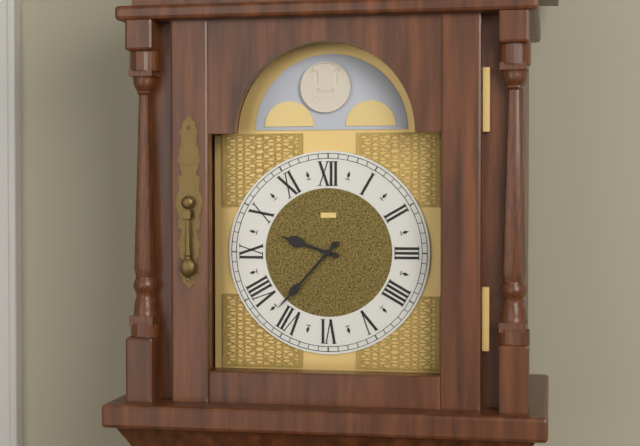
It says 9:37
